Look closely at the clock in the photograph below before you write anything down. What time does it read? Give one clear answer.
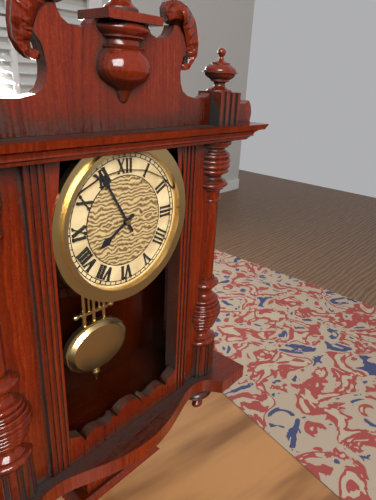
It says 7:55
